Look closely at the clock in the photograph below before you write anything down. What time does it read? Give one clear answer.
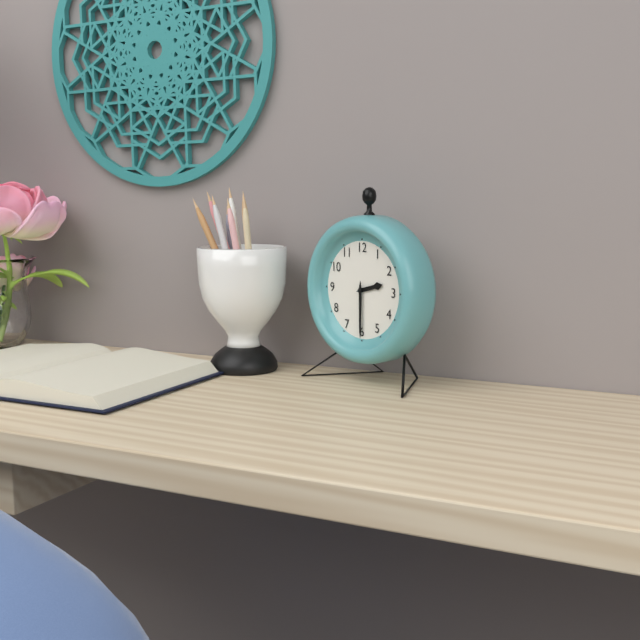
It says 2:30
